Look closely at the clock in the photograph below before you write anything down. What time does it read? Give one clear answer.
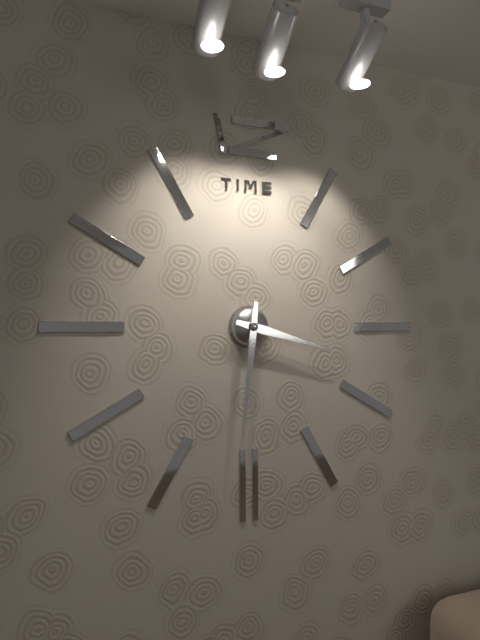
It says 3:31
